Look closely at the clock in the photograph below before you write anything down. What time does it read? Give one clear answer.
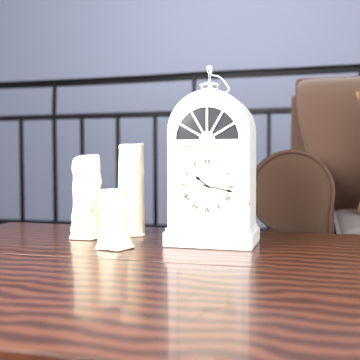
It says 10:17
